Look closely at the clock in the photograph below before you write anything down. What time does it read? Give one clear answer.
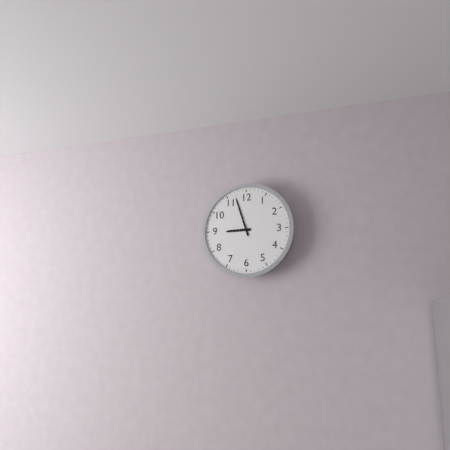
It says 8:57
